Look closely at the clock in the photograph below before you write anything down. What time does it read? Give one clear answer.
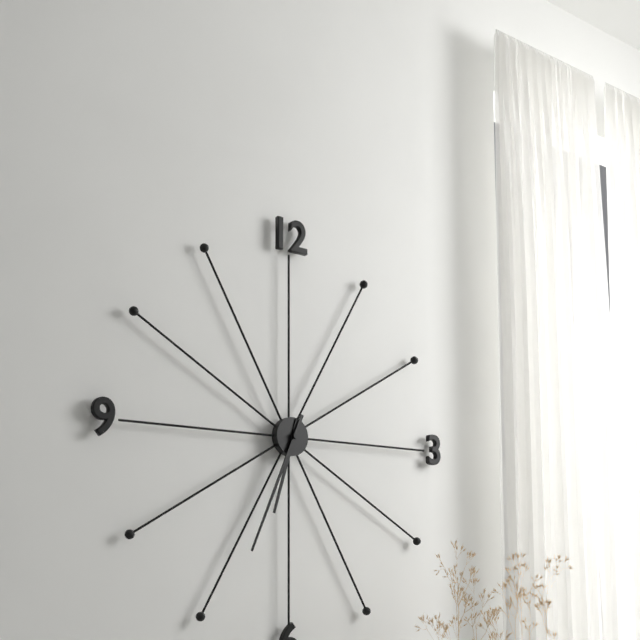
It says 6:34
